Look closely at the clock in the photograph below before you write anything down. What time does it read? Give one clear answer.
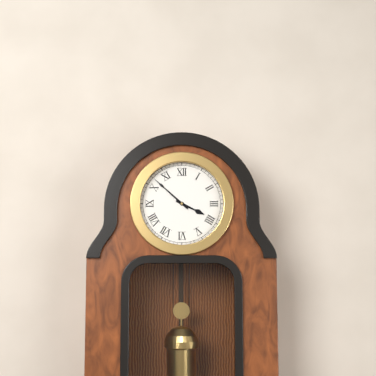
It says 3:52
